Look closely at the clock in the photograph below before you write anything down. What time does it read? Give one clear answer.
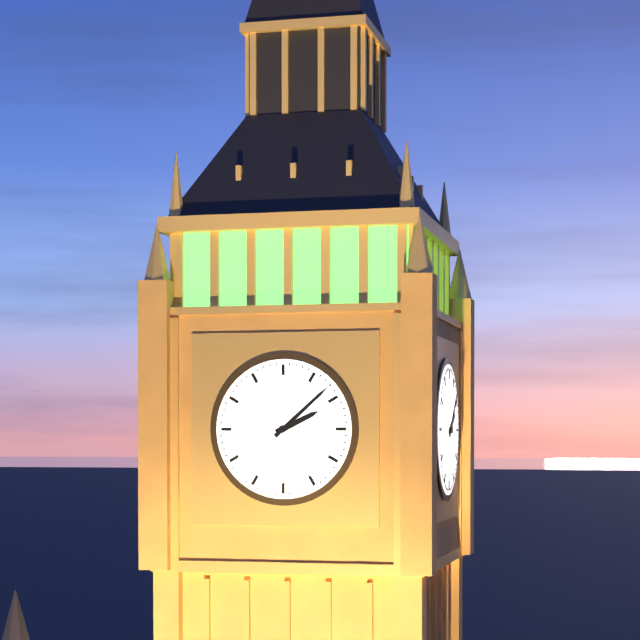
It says 2:08
